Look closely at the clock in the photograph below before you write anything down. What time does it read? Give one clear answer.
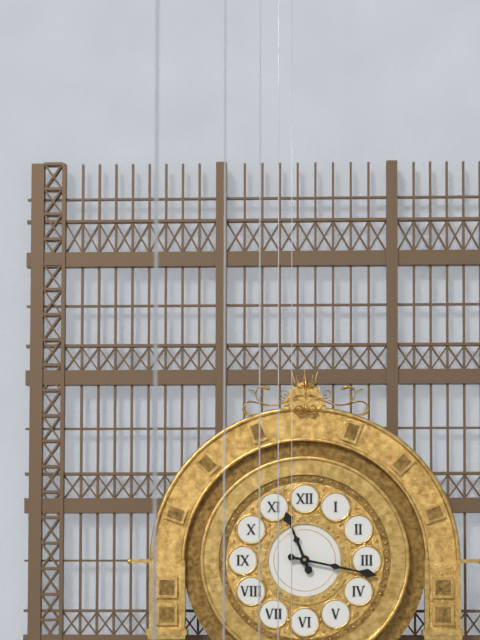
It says 11:17
